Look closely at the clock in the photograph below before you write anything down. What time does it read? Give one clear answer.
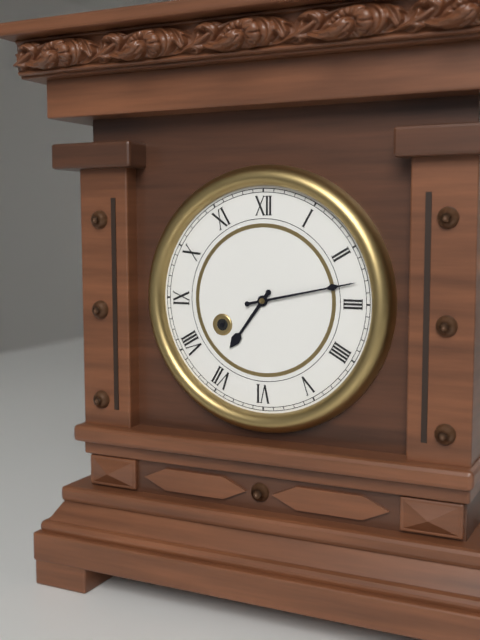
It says 7:13
